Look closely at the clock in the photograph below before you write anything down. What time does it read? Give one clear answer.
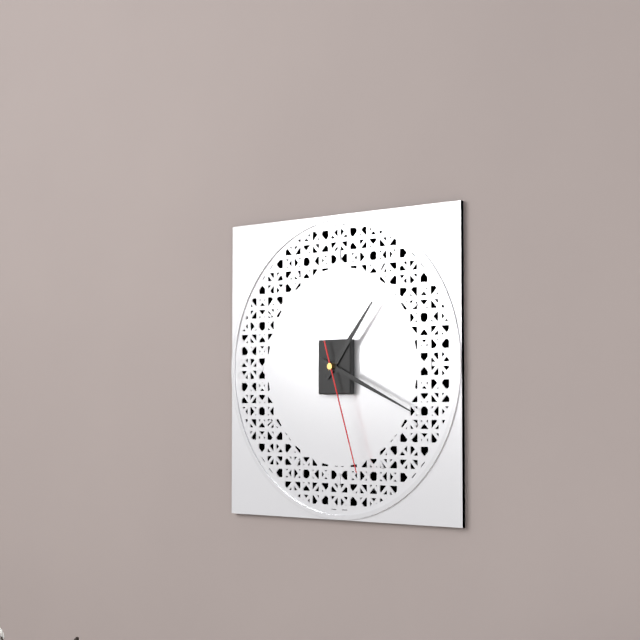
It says 1:19:27
